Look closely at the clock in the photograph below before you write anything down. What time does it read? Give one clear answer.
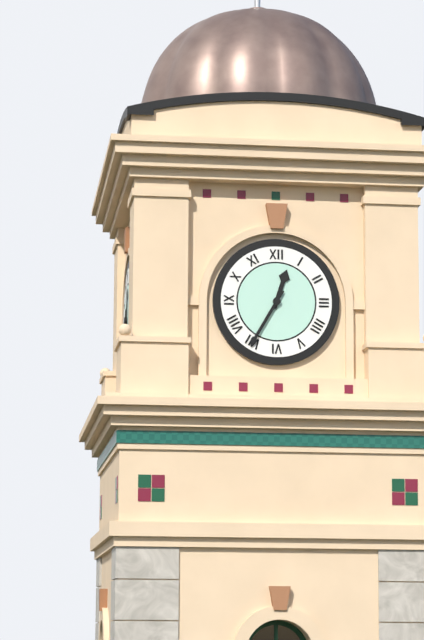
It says 12:35
